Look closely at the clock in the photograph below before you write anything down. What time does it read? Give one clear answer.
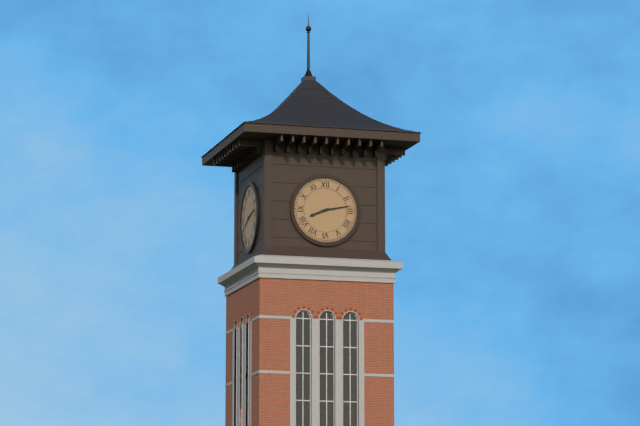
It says 8:13
